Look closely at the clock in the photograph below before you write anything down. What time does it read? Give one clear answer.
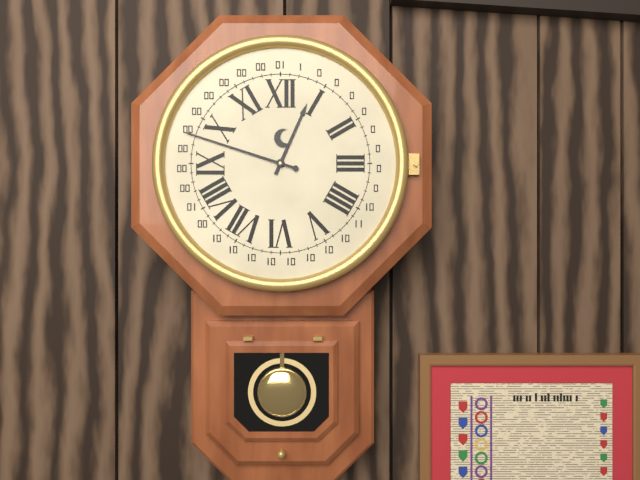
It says 12:48
